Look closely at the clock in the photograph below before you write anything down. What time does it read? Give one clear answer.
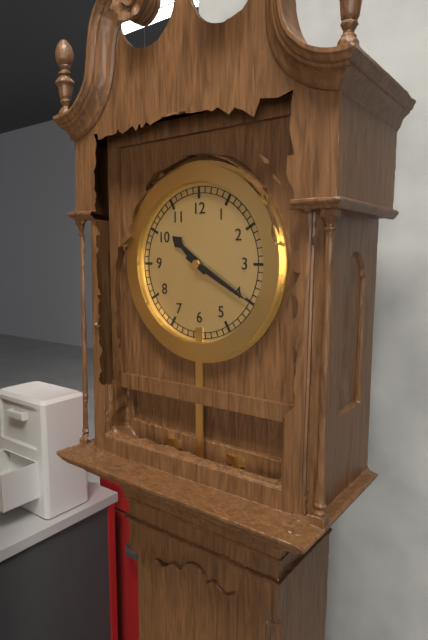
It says 10:20
